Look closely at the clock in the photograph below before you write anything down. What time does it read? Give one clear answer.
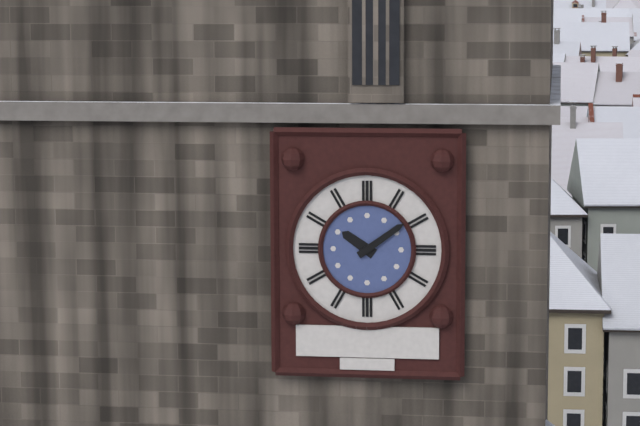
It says 10:09
